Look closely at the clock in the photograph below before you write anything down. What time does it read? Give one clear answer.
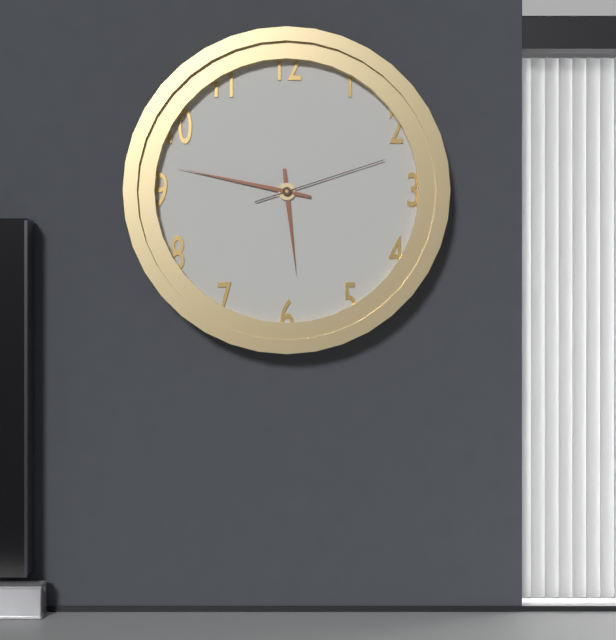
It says 5:47:12
